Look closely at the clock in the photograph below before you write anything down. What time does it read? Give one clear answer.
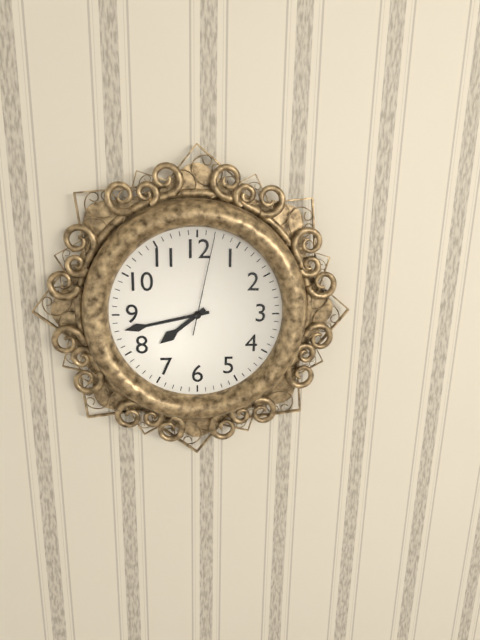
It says 7:43:02
